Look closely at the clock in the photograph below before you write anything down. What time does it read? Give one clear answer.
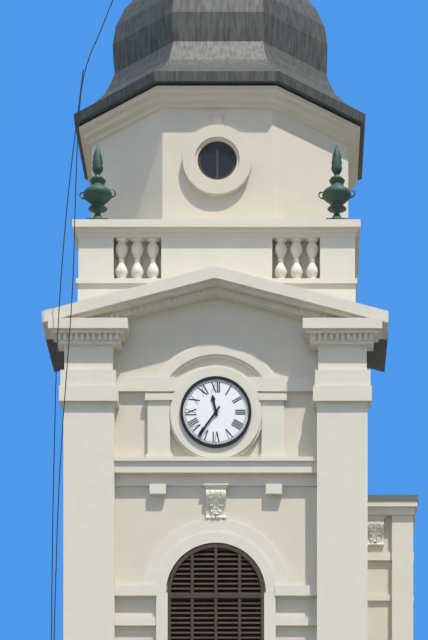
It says 11:36
